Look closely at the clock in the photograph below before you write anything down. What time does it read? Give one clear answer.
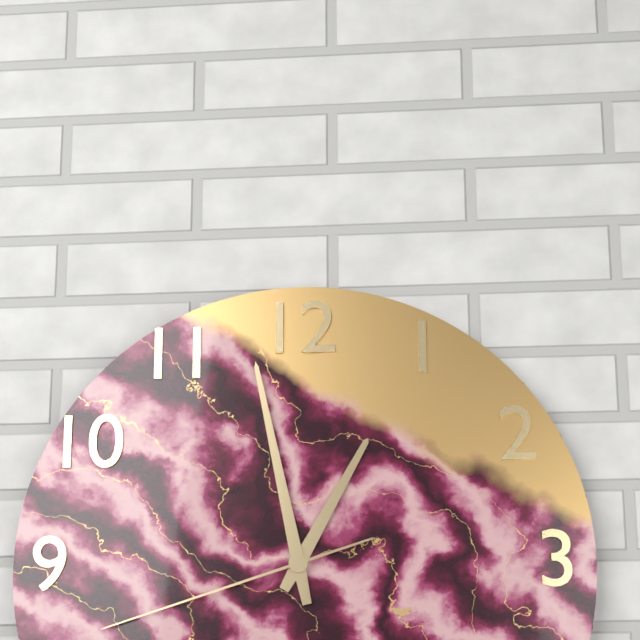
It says 12:58:42
